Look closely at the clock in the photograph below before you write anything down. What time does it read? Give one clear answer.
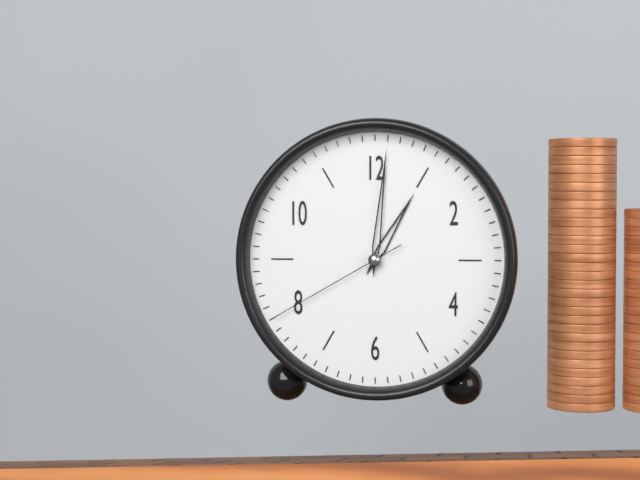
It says 1:01:40
